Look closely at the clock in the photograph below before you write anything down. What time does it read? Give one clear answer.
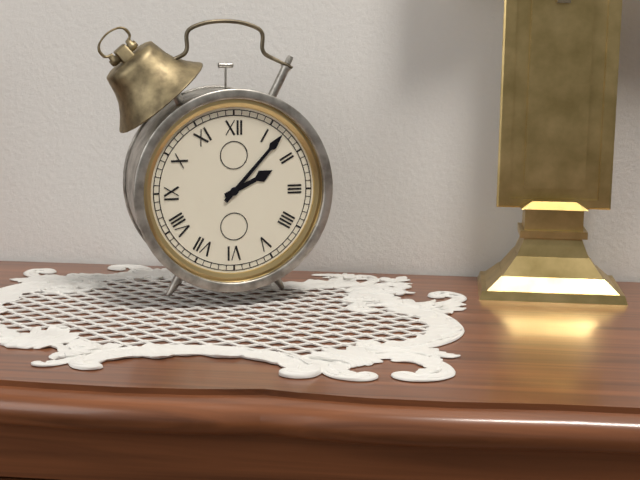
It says 2:07
